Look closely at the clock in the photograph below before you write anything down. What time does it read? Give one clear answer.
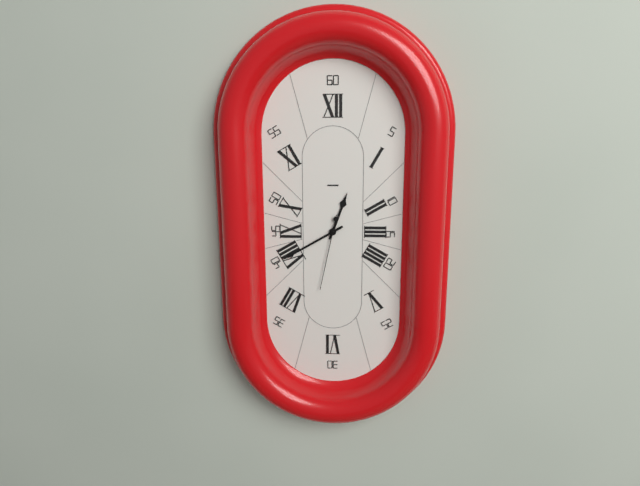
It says 12:40:32
